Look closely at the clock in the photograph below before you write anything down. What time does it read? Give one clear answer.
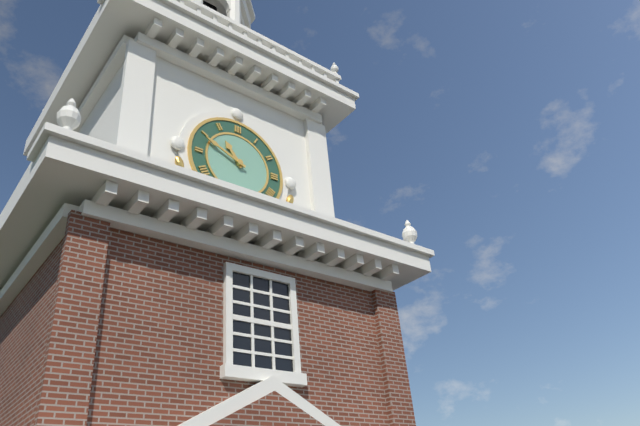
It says 10:49
